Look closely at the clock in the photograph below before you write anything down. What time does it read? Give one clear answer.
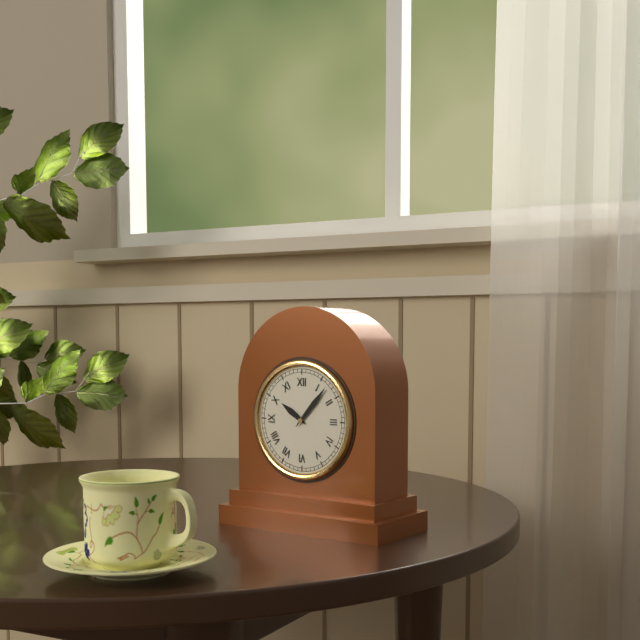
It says 10:07
